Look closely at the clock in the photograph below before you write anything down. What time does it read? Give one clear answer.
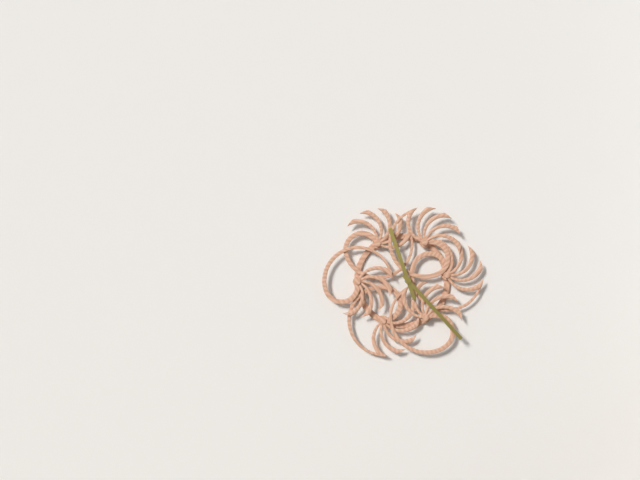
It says 11:23
